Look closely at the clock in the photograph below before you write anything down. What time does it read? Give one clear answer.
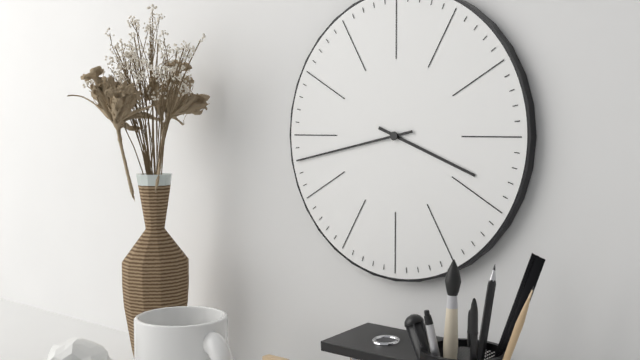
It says 3:43
